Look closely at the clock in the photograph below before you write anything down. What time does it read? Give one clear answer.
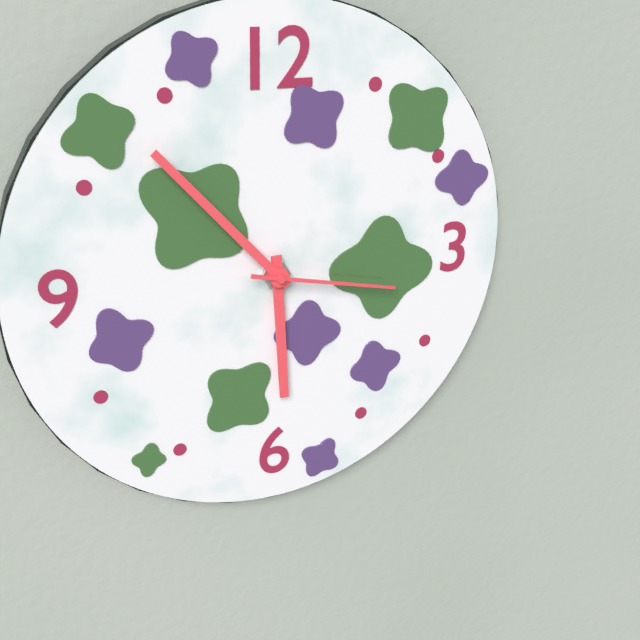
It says 5:53:17
